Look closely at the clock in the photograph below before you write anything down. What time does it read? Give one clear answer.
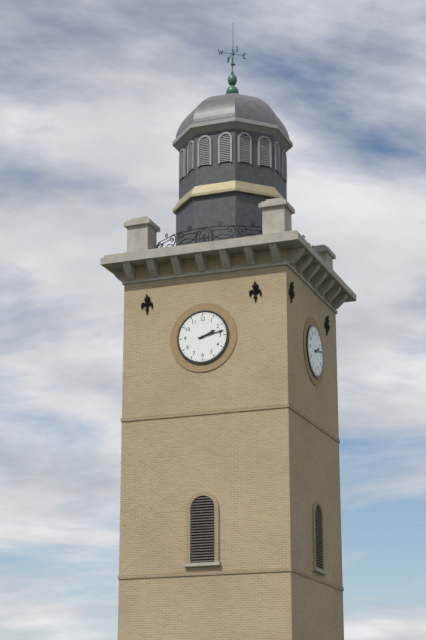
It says 2:13
